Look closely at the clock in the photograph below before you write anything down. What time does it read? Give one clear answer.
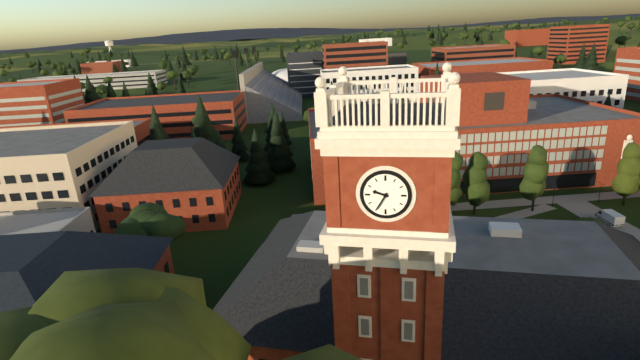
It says 9:35
